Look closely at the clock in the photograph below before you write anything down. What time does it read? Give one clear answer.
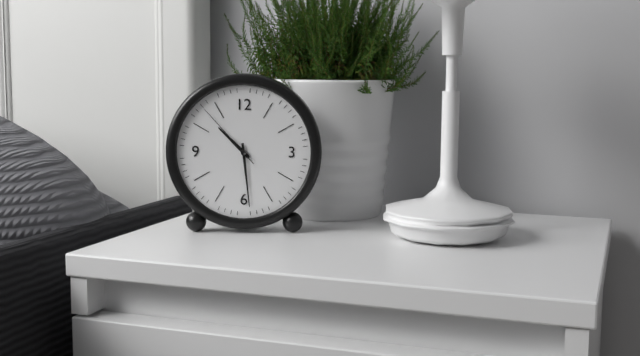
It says 10:29:53
